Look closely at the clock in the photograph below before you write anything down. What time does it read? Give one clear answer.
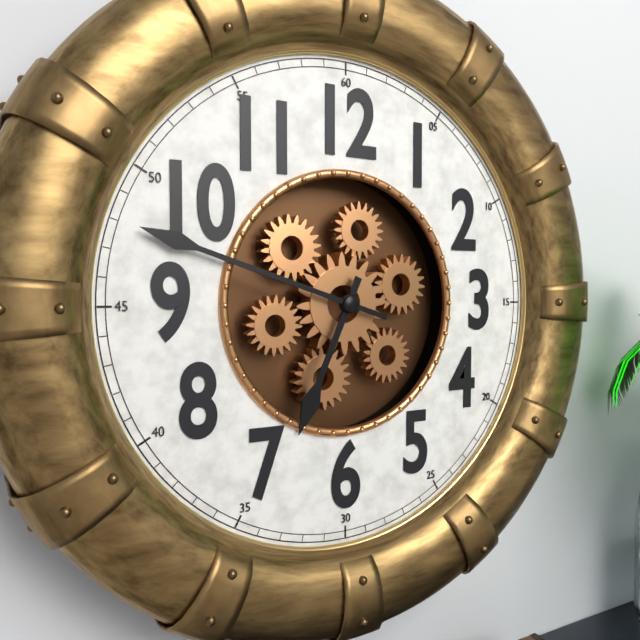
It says 6:48
